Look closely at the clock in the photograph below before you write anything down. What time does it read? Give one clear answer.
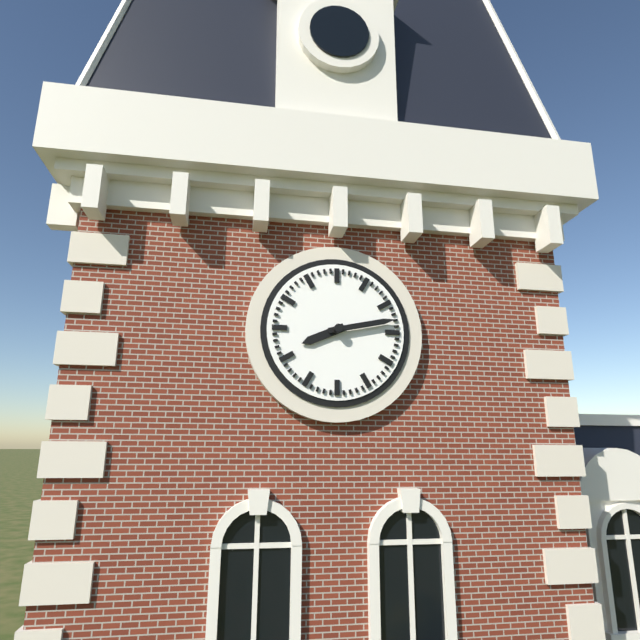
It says 8:13
